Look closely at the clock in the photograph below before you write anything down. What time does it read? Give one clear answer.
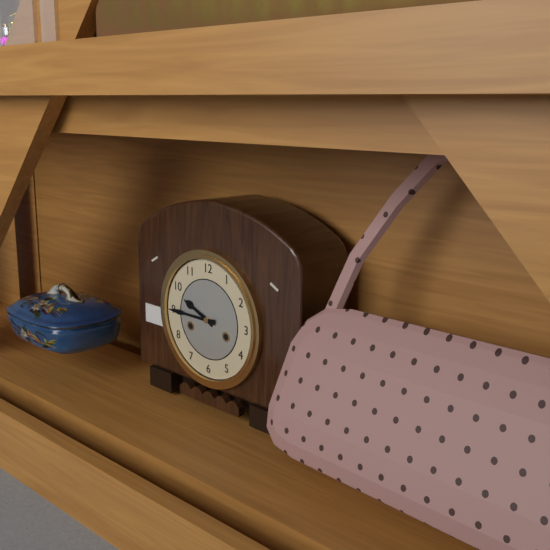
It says 9:45
